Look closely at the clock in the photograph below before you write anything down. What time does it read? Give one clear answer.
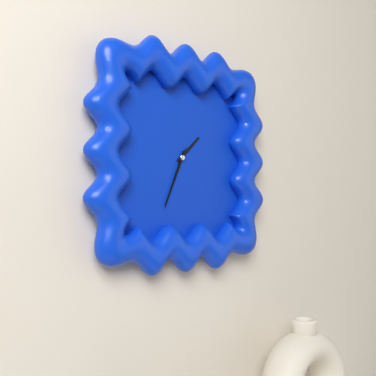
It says 1:34:34
